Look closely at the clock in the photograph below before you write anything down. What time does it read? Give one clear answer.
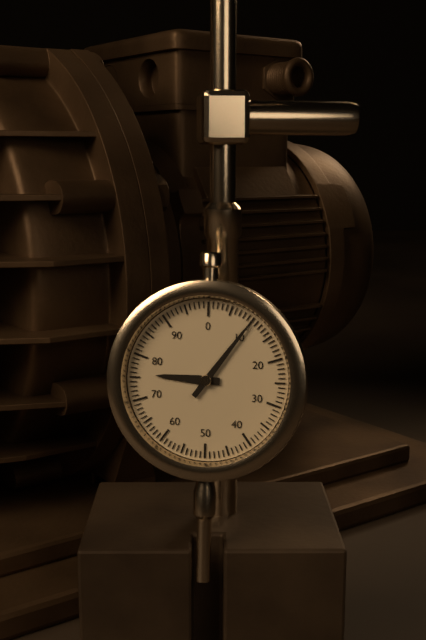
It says 9:06
